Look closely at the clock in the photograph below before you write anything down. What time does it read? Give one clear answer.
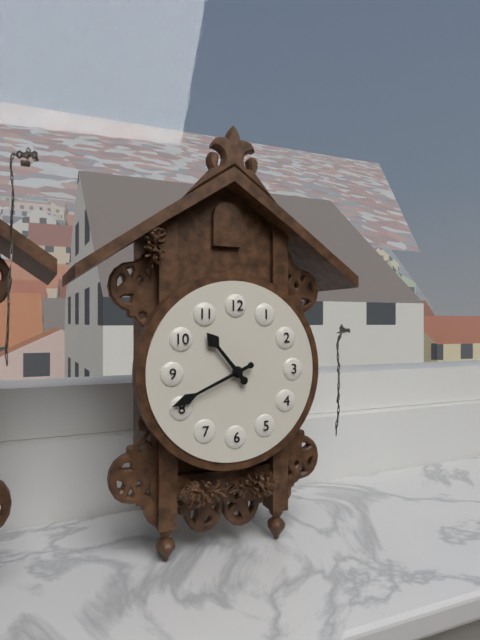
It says 10:41
